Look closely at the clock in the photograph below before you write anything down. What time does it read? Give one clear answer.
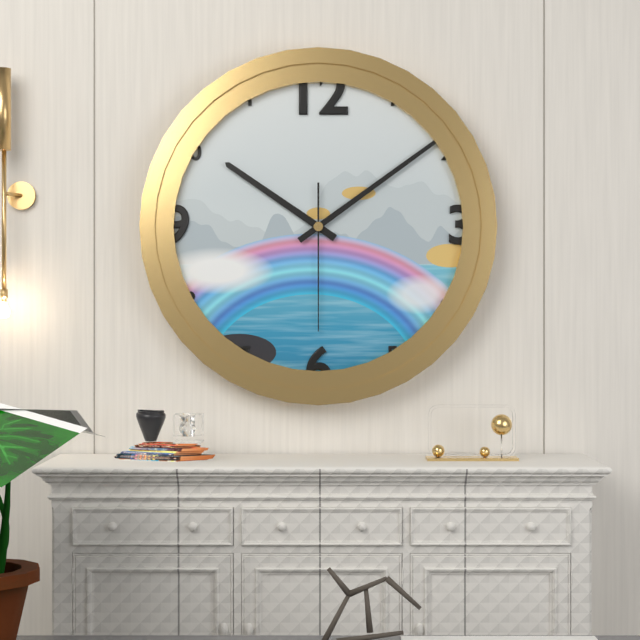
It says 10:09:30
